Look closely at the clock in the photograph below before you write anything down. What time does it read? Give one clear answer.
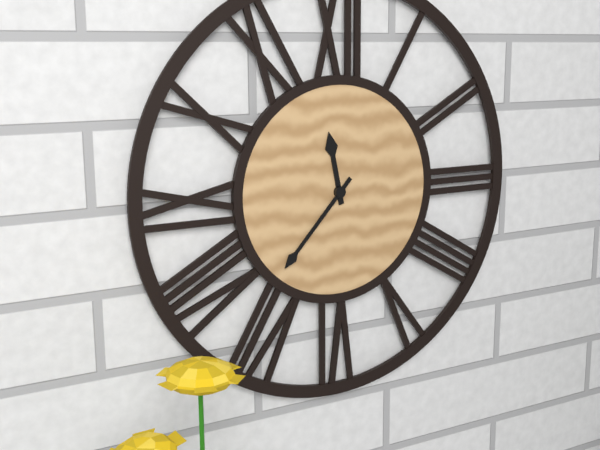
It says 11:37
